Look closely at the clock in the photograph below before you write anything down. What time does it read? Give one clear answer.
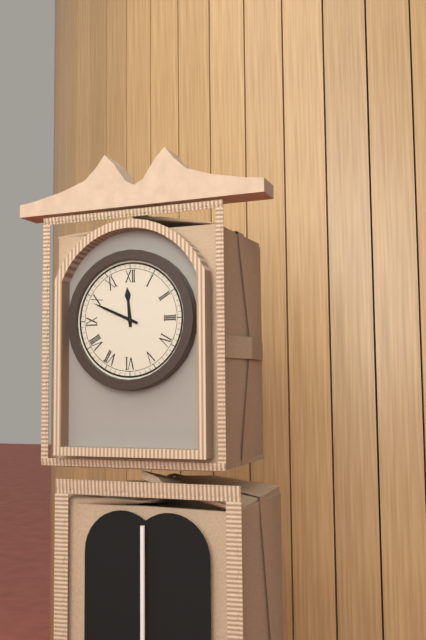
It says 11:49
